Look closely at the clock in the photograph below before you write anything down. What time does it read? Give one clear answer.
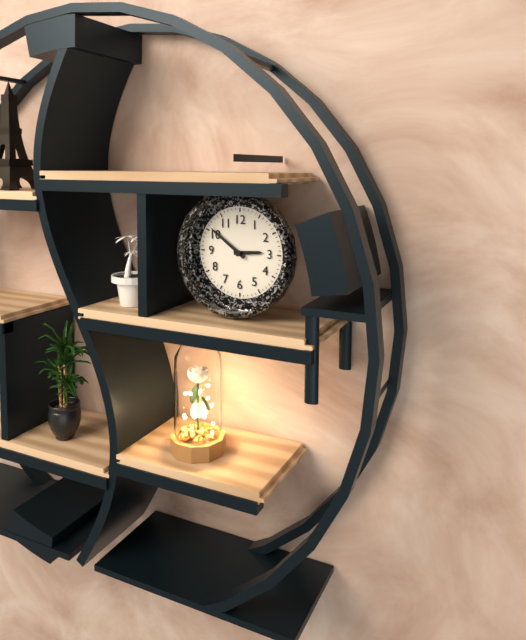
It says 2:51
